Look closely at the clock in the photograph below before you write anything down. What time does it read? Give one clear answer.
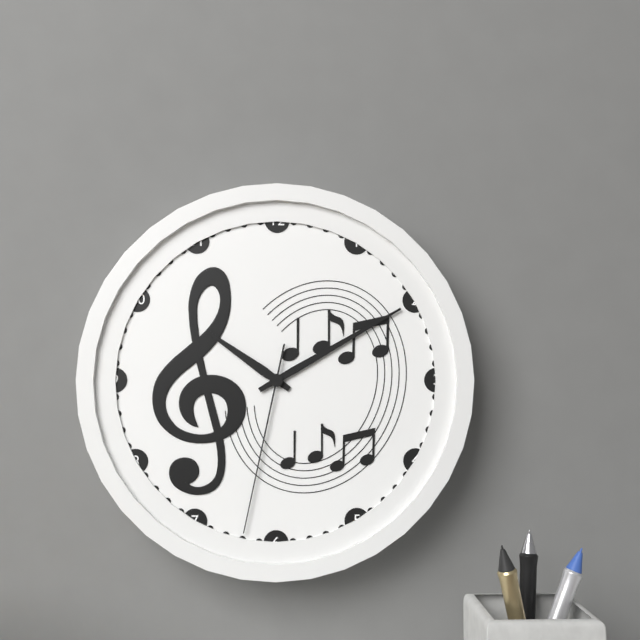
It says 10:10:32
